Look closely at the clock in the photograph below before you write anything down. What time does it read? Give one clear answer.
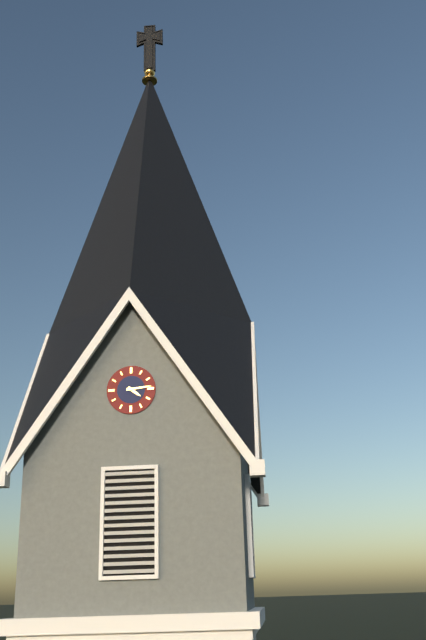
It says 4:14
